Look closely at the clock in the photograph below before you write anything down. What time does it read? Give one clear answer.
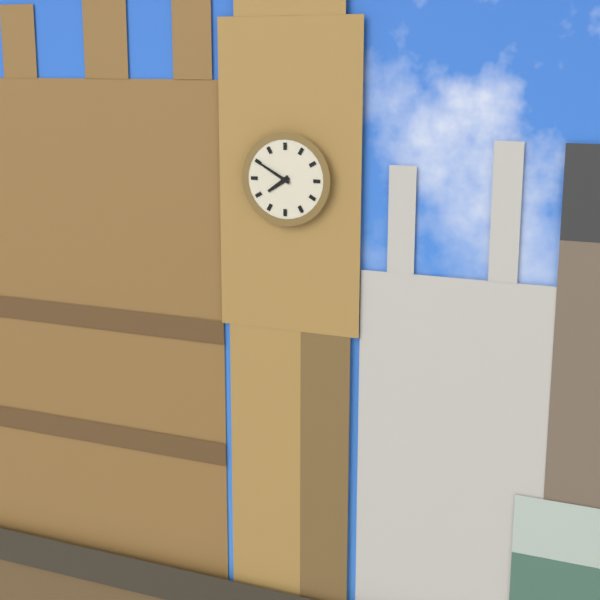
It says 7:50
